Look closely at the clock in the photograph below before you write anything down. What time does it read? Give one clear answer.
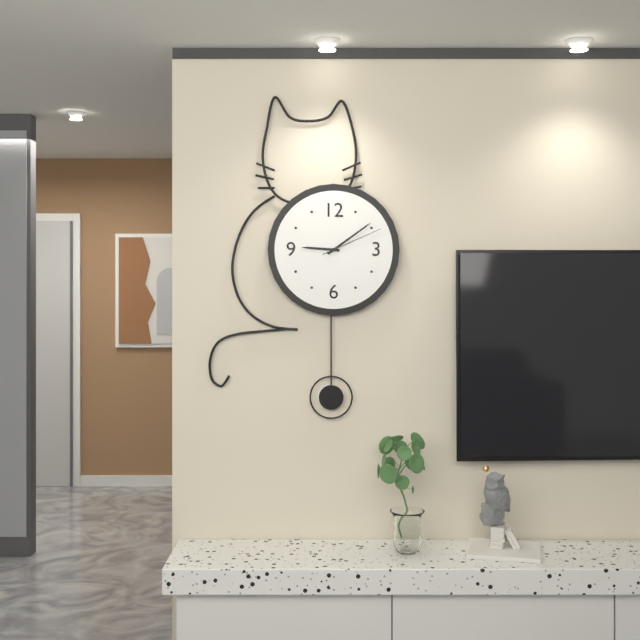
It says 9:09:11
